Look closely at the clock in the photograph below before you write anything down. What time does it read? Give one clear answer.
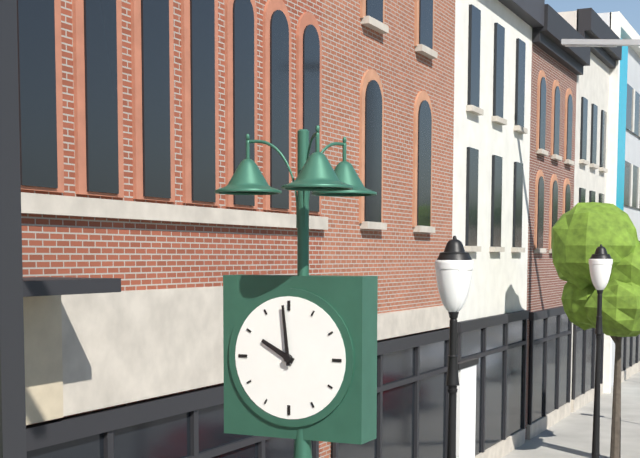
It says 9:59
